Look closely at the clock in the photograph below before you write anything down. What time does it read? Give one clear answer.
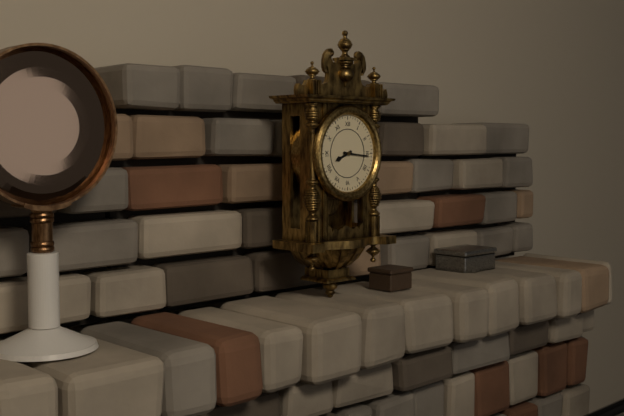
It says 8:16
